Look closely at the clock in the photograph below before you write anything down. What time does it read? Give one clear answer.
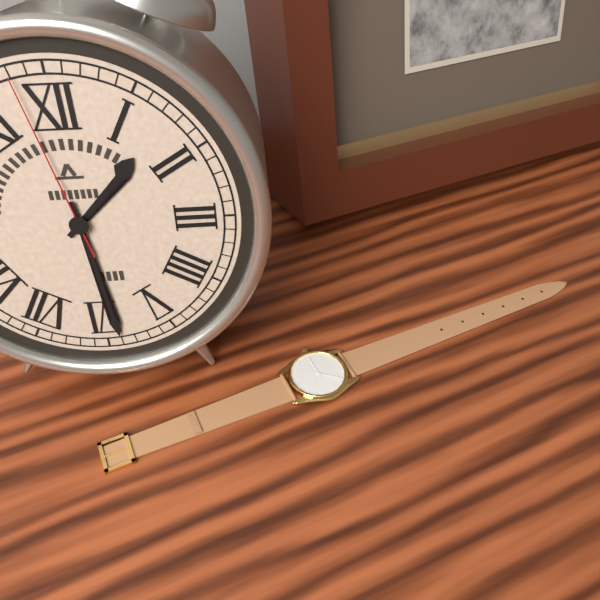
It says 1:29:58
